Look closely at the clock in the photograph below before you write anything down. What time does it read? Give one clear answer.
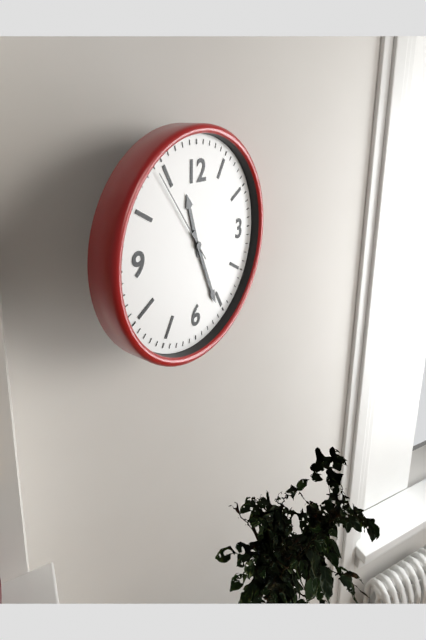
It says 11:26:54
